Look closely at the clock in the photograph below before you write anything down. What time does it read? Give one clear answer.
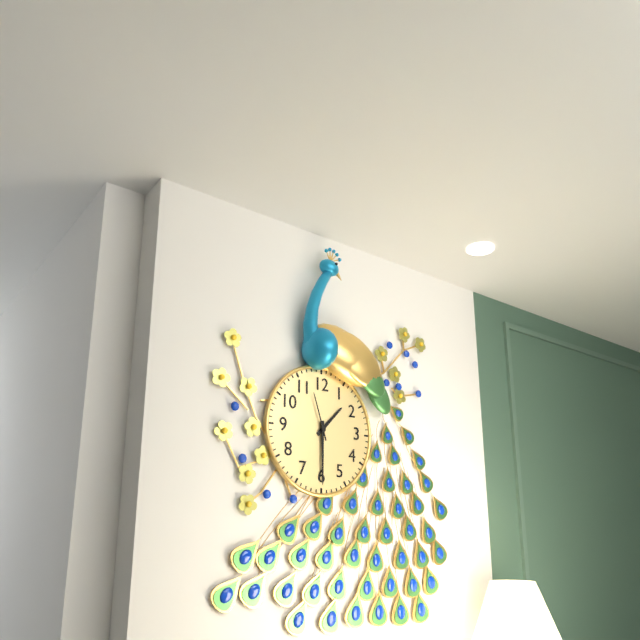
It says 1:30
